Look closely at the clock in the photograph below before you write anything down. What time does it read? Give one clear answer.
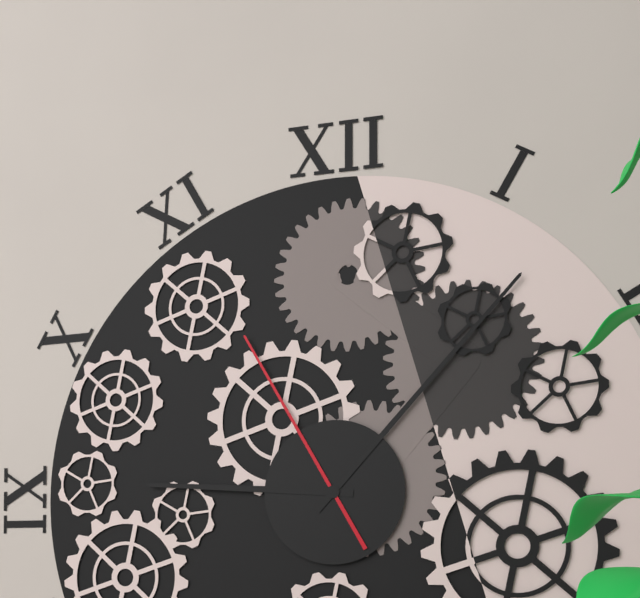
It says 9:07:55
